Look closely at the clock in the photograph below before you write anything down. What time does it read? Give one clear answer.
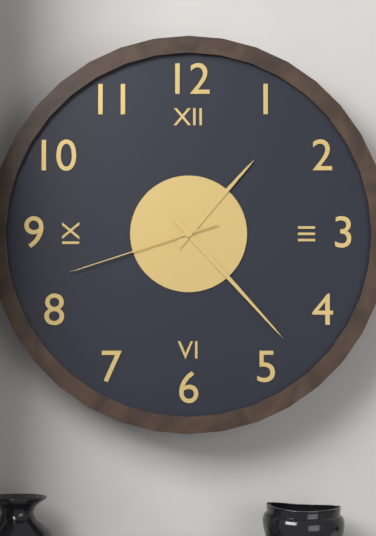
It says 1:23:42
